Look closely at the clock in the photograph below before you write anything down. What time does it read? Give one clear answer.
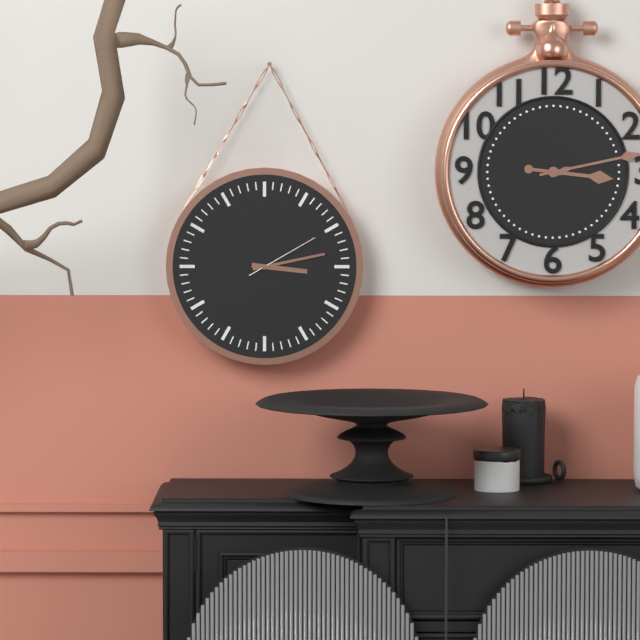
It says 3:13:10
